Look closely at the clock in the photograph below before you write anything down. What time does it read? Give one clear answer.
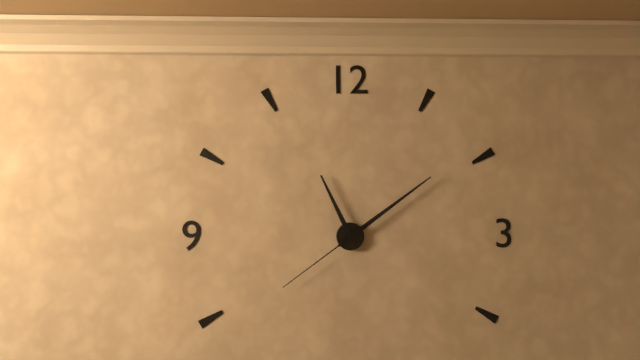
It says 11:09:39
